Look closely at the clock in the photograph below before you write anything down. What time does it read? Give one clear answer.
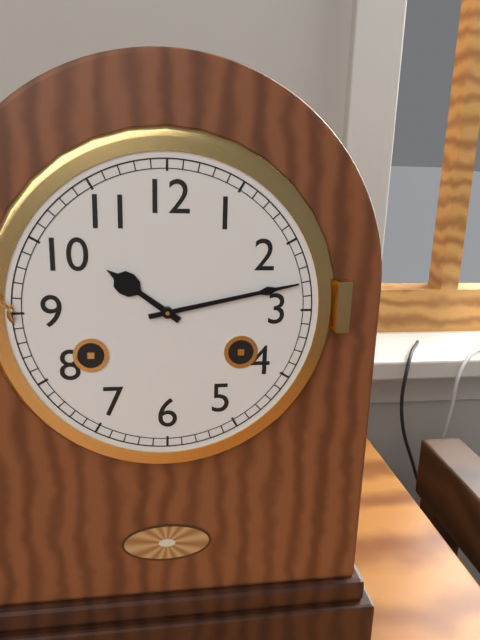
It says 10:13
